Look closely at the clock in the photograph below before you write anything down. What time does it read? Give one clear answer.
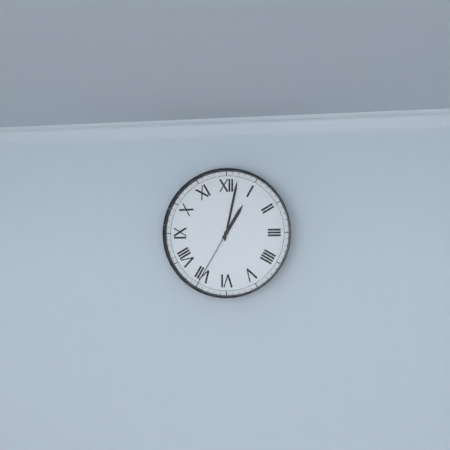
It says 1:02:35
